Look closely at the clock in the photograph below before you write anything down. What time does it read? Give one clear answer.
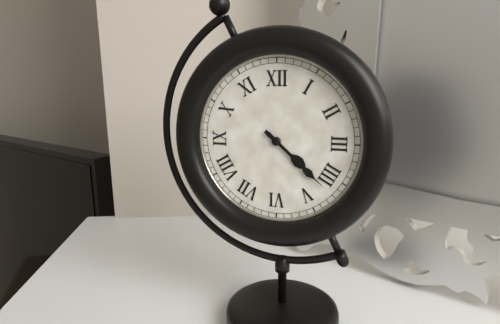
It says 4:22
